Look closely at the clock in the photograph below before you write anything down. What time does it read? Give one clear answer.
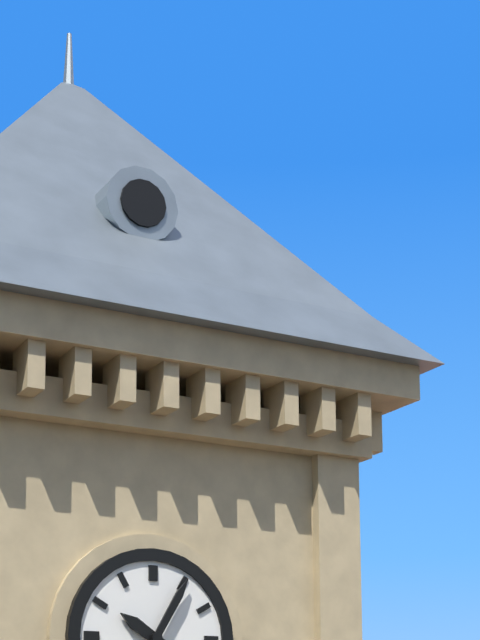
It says 10:05
